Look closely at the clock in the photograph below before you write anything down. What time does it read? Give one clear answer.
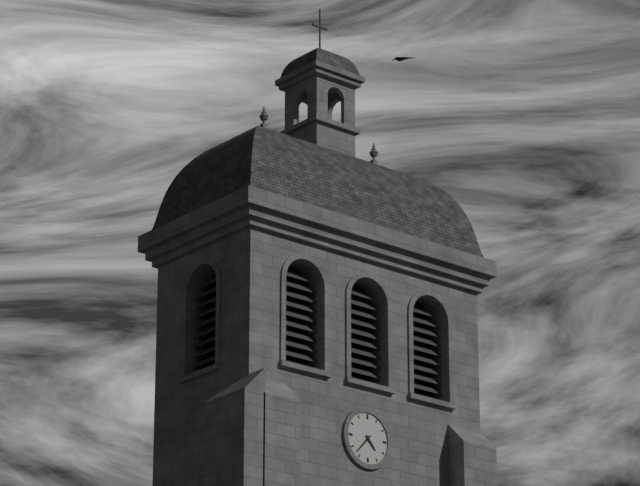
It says 4:37
